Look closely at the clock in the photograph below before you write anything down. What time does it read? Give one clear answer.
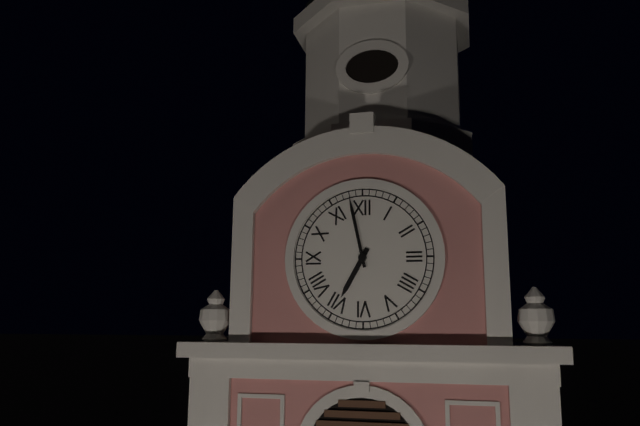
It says 6:58
